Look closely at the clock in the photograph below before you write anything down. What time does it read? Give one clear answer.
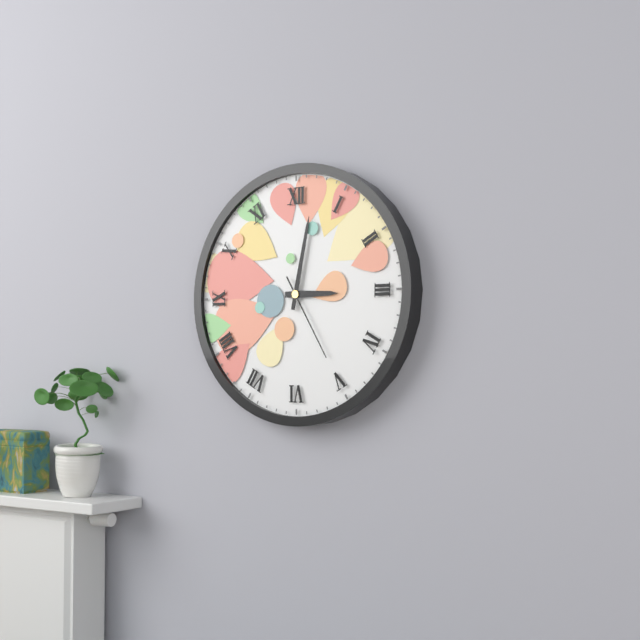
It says 3:02:25
